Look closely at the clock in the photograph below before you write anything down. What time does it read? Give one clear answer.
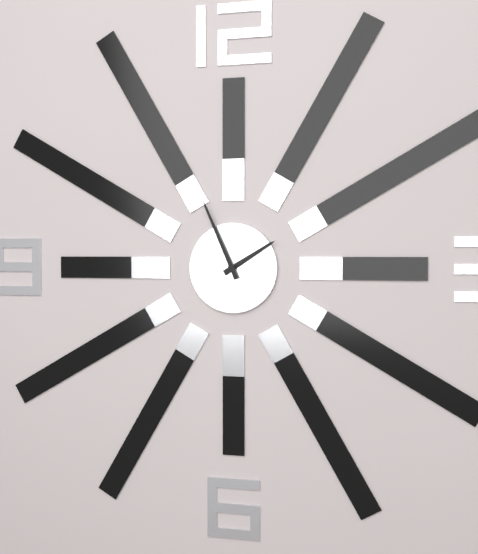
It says 1:56
